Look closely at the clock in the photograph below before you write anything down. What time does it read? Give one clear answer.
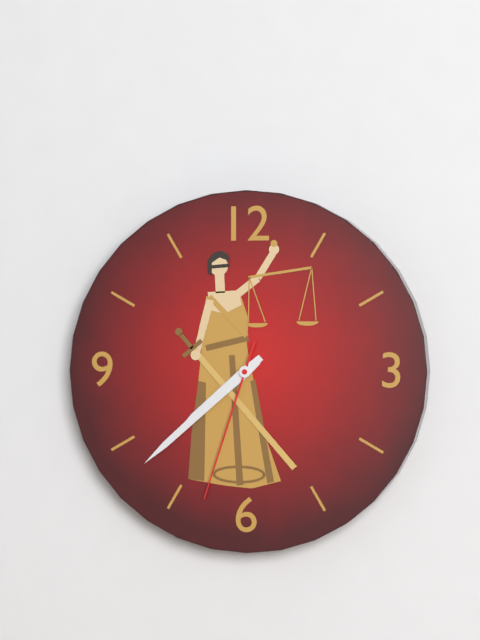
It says 7:38:33
